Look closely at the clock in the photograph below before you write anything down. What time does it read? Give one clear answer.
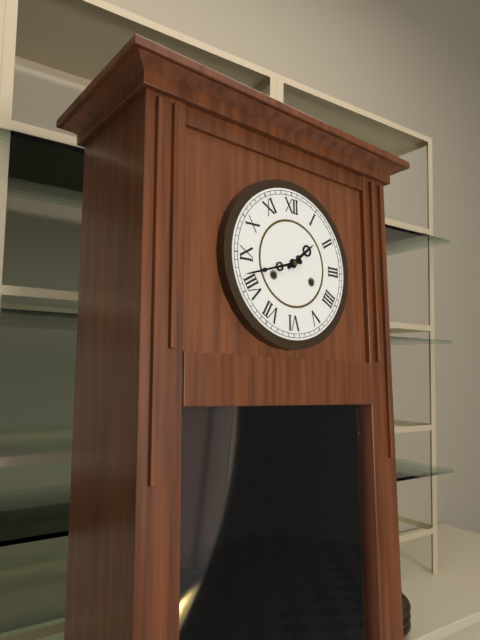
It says 1:42
